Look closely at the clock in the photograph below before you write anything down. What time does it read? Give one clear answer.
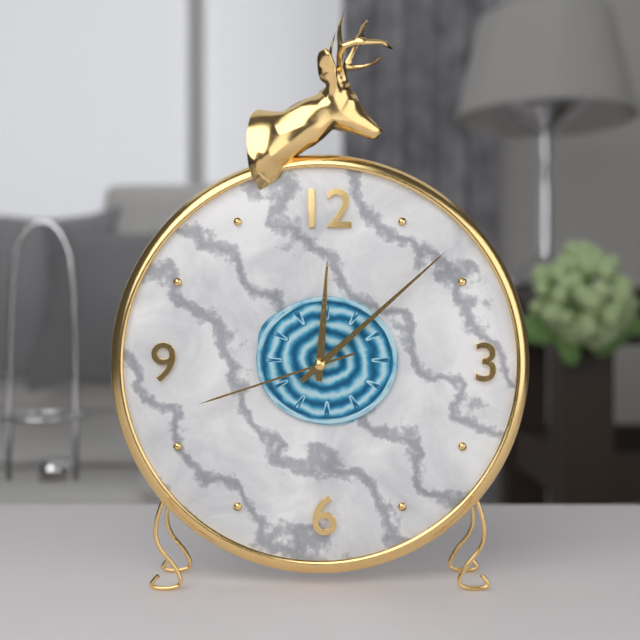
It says 12:08:42
